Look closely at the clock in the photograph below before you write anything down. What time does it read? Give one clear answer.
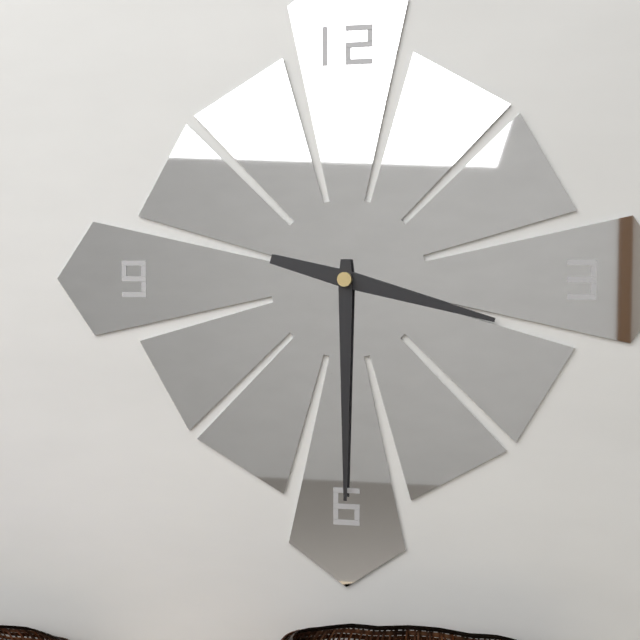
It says 3:30
